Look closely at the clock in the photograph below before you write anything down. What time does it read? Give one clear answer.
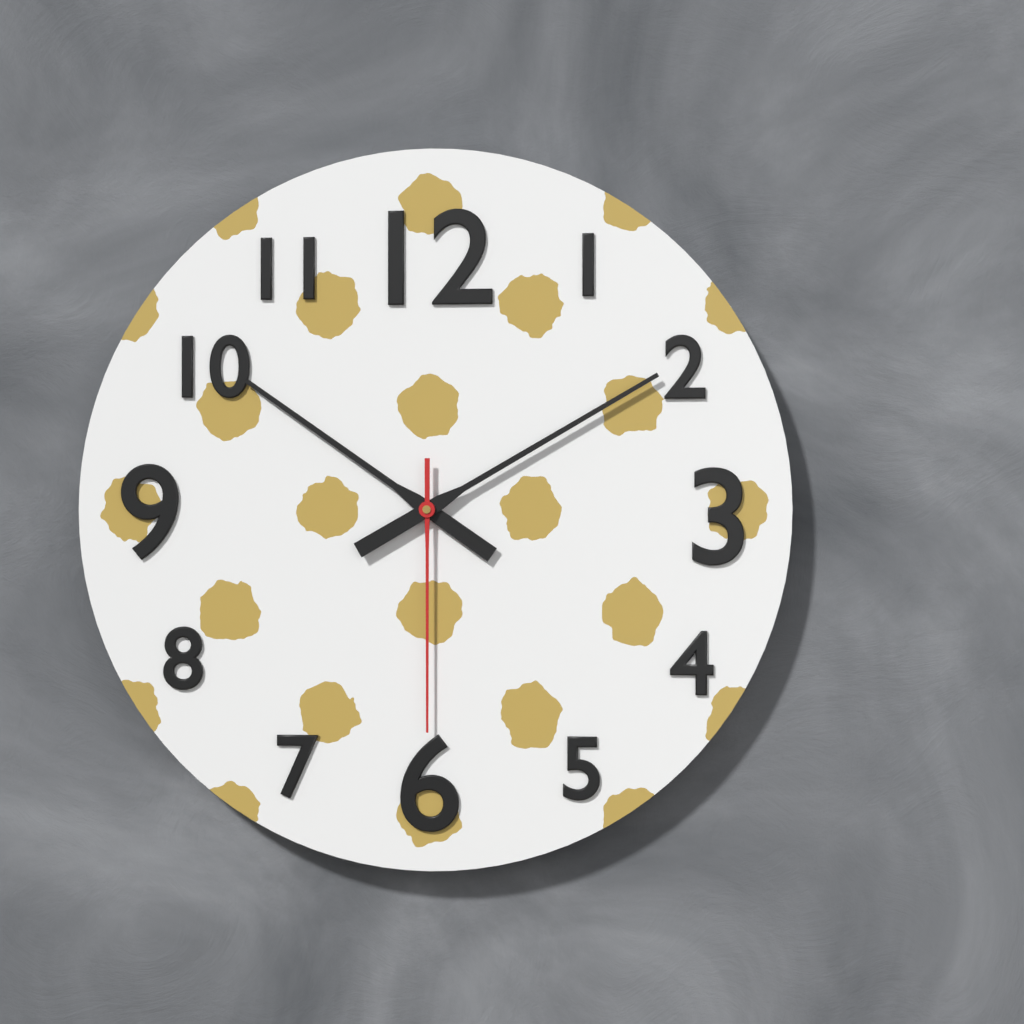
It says 10:10:30
